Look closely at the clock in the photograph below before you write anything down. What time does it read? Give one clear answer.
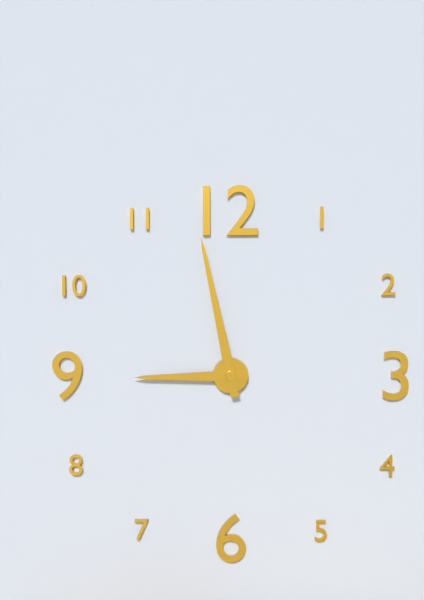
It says 8:58
